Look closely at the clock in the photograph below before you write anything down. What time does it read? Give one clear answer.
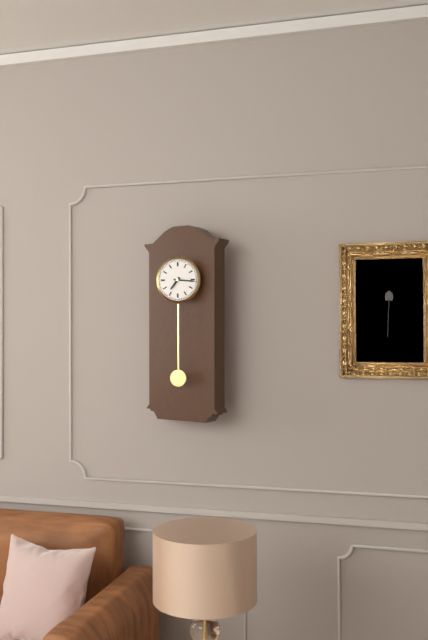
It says 7:16
